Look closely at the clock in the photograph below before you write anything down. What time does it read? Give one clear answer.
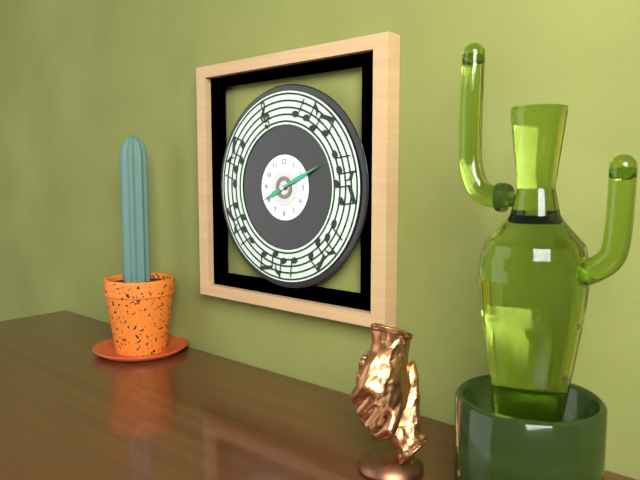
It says 8:11
